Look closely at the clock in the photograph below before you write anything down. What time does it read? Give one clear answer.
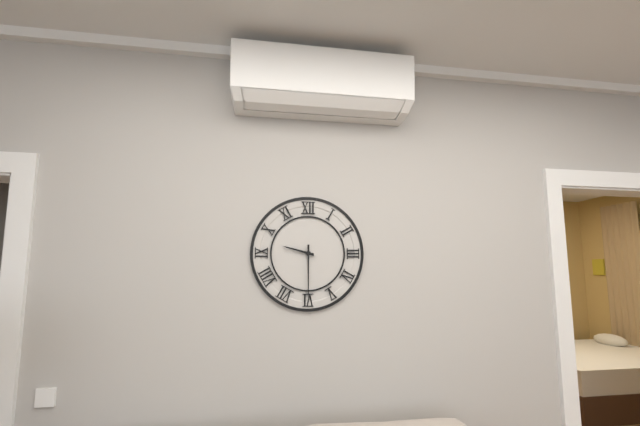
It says 9:30
